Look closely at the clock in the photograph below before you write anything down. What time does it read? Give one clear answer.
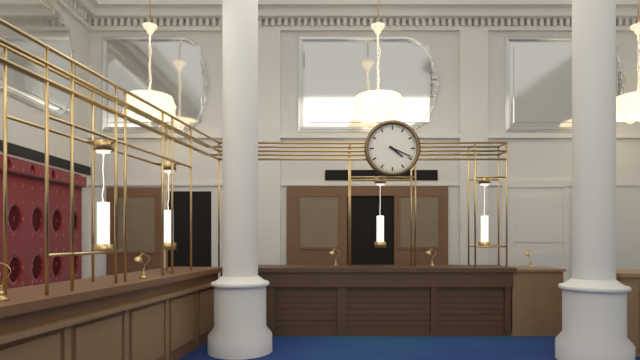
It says 4:19
